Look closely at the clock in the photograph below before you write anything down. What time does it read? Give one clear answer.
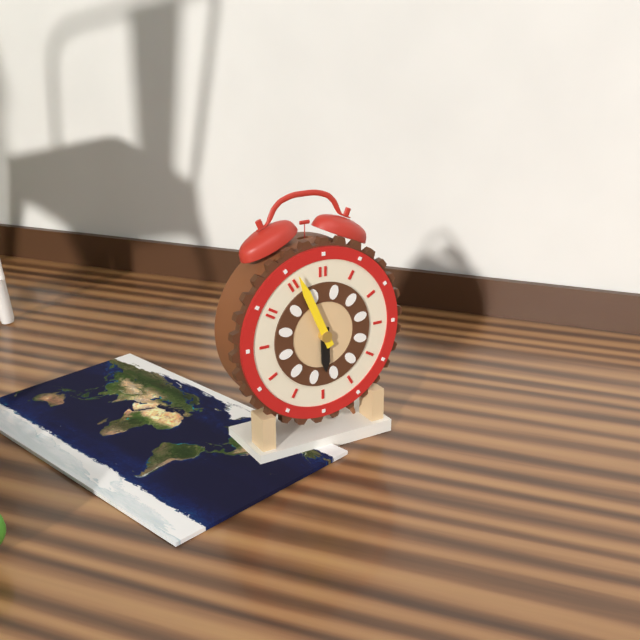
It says 5:56
